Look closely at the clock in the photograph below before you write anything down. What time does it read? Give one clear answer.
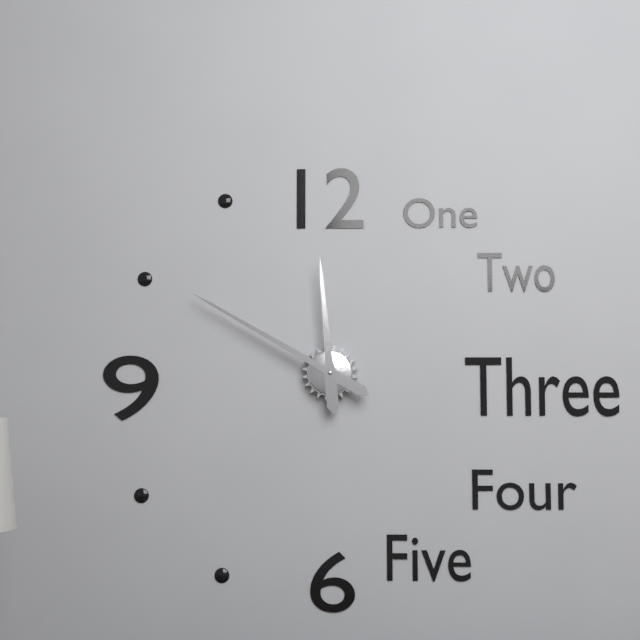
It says 11:50
